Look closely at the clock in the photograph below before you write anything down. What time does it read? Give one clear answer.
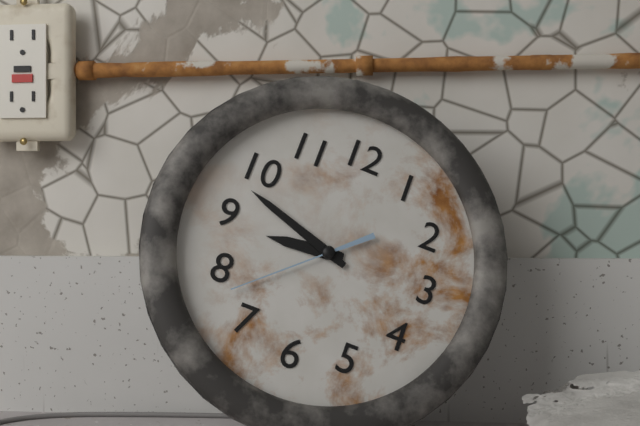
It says 8:48:38
